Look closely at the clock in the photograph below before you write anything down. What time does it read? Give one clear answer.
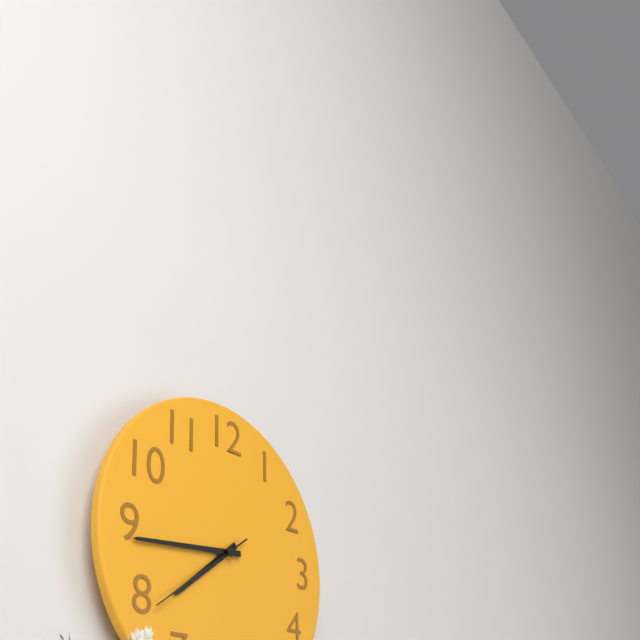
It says 7:44:39
